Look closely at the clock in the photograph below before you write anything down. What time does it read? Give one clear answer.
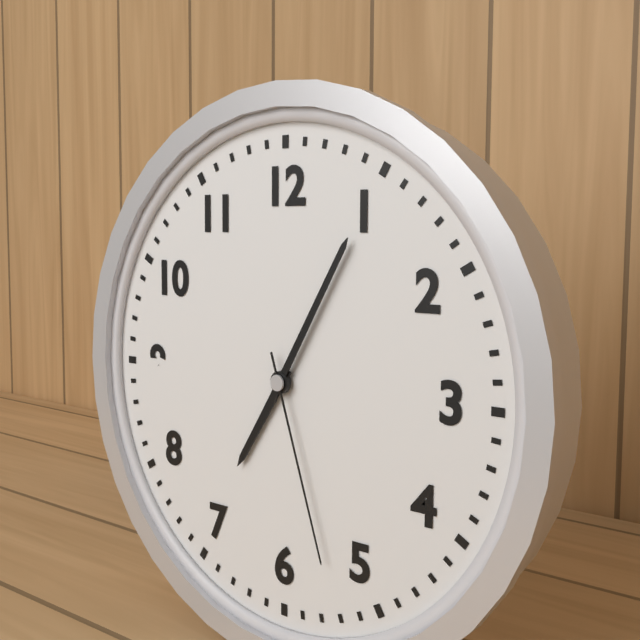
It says 7:05:27
